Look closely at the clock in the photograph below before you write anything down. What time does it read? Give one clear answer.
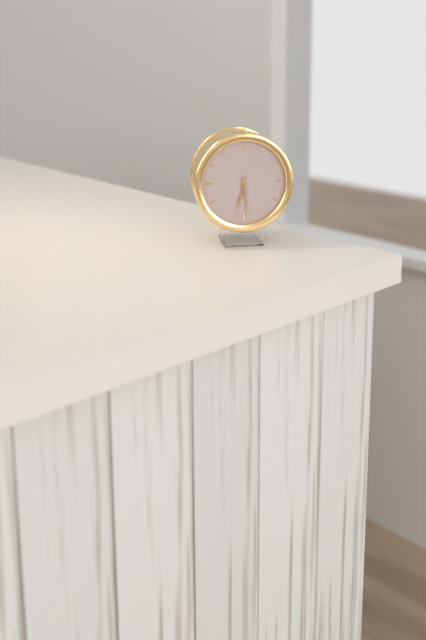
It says 6:29
